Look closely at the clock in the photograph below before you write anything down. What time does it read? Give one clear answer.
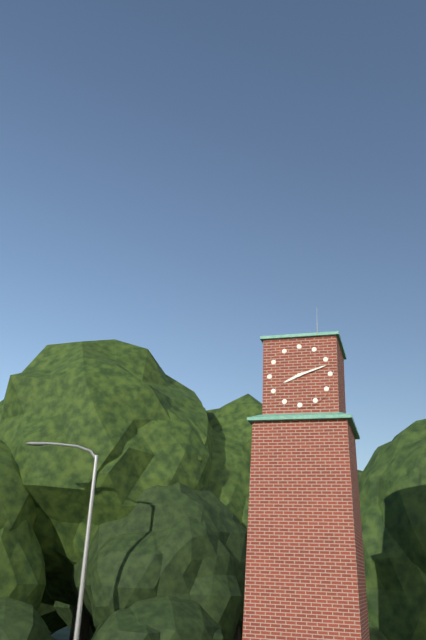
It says 8:12
